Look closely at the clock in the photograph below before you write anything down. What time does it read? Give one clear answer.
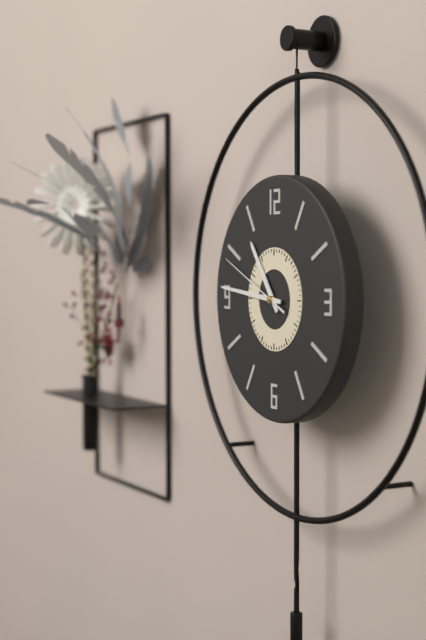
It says 10:46:49
